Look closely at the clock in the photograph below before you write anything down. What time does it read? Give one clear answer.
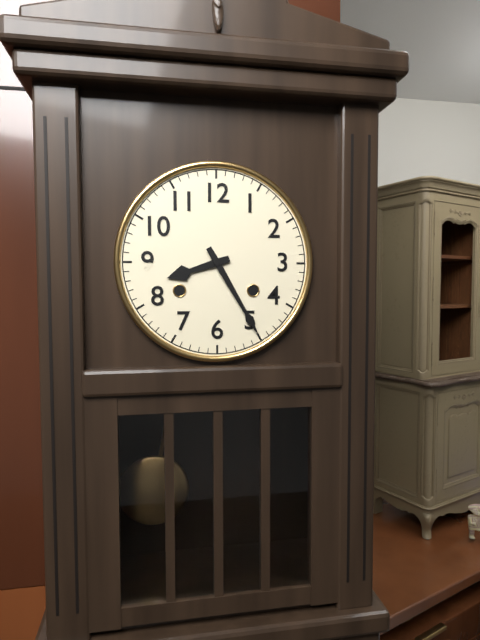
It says 8:25
